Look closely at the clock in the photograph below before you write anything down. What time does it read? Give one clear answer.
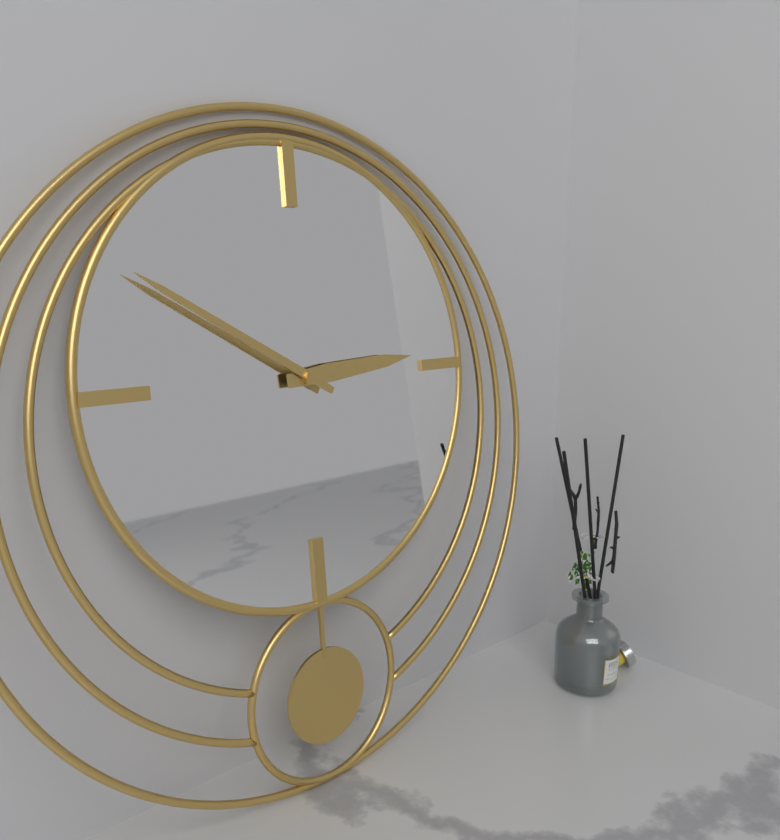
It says 2:50
